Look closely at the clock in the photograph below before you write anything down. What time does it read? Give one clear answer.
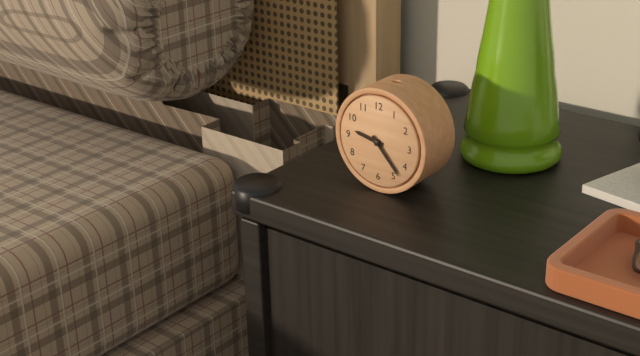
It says 9:23
